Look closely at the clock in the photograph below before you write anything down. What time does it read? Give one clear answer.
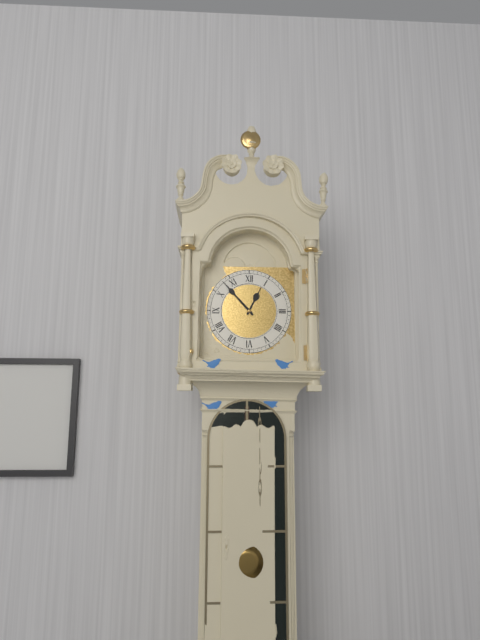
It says 12:53
